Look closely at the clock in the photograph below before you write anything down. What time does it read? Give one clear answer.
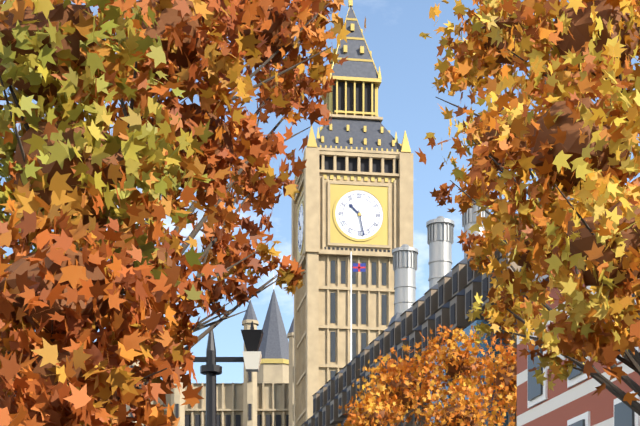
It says 10:28
